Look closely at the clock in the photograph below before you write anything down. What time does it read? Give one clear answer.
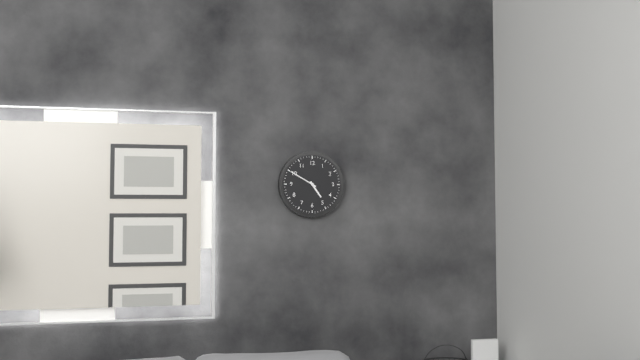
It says 4:50
